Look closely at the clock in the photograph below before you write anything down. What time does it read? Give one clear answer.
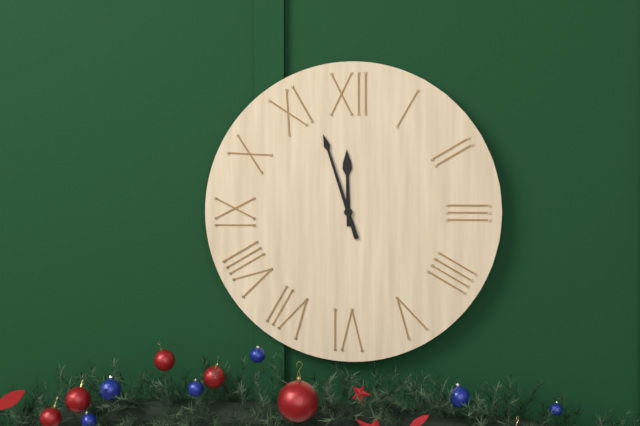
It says 11:57
